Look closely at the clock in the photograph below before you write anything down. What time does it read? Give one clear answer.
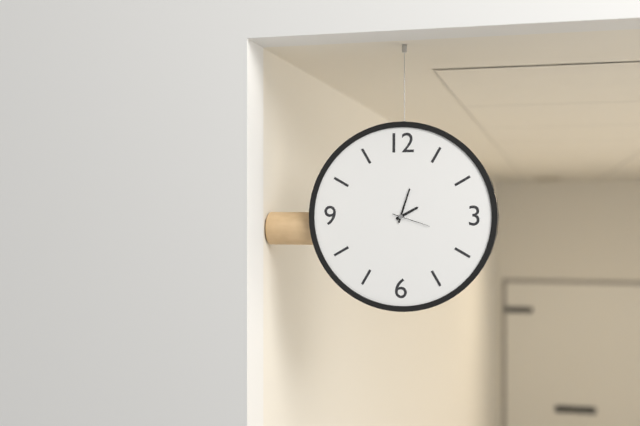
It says 2:03
